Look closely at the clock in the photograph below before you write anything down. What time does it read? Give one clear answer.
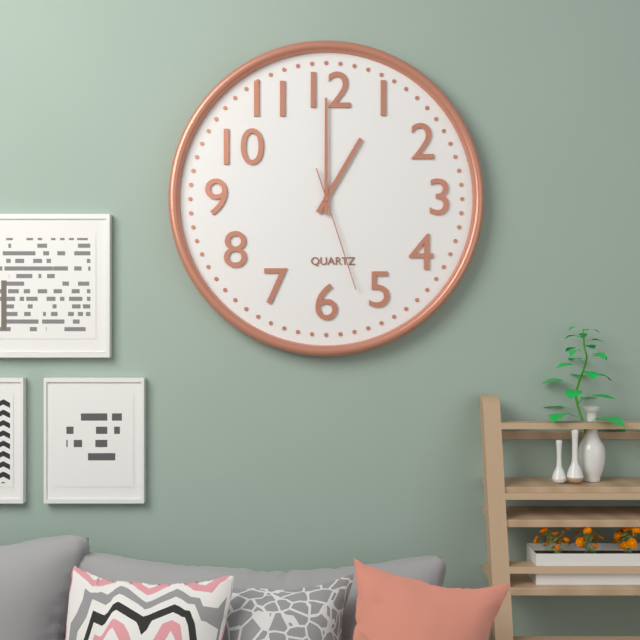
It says 1:00:27
